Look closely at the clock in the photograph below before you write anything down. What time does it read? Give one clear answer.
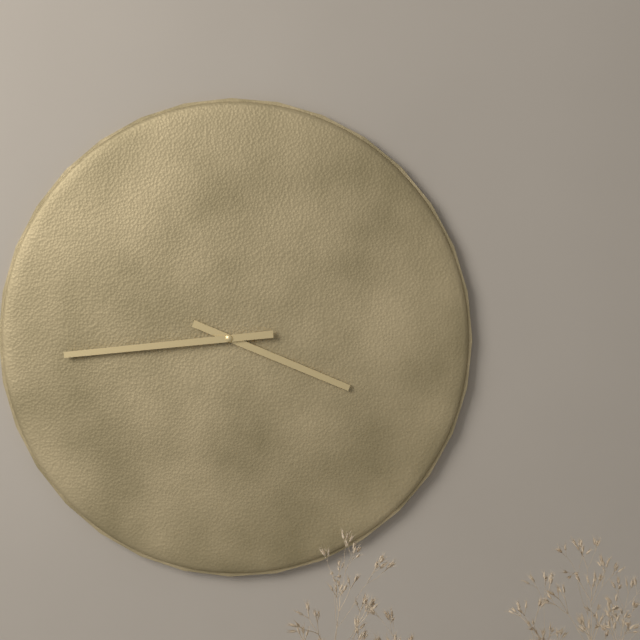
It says 3:44
